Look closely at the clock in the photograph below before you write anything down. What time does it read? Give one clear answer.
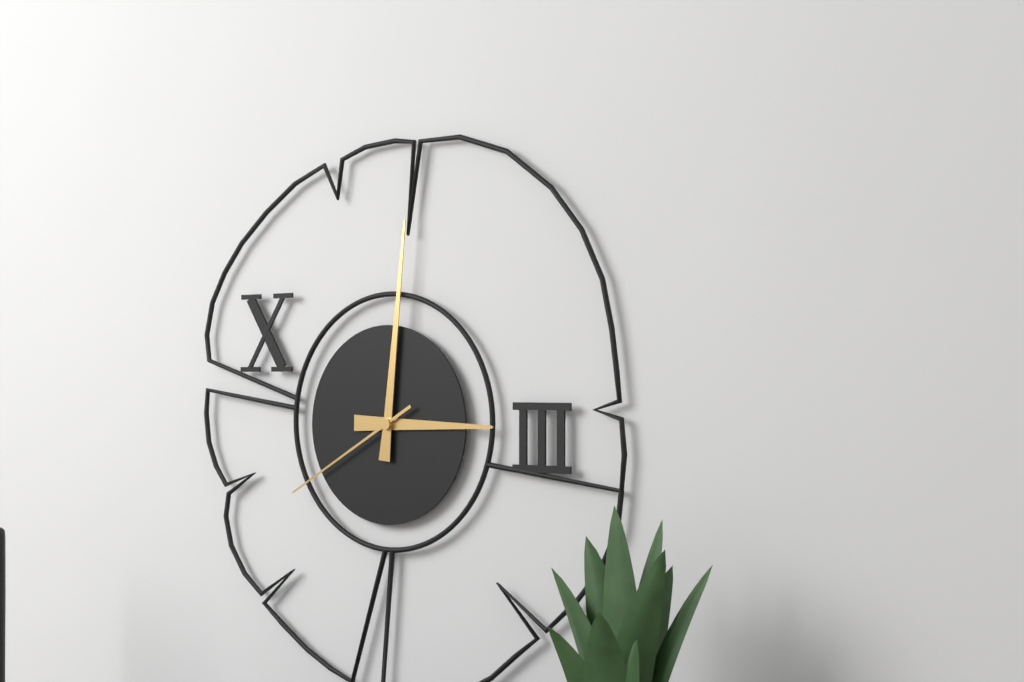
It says 3:01:40
